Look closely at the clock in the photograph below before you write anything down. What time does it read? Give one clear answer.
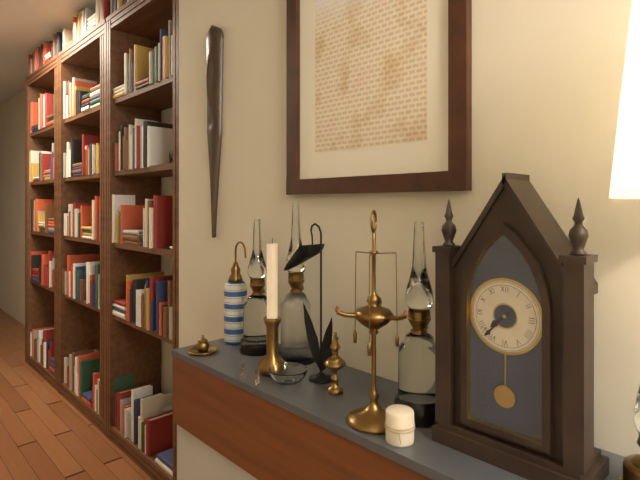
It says 7:37
